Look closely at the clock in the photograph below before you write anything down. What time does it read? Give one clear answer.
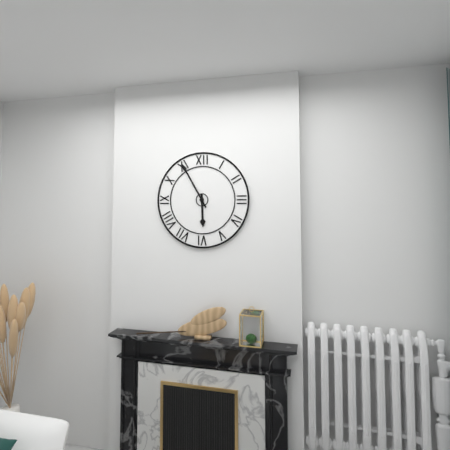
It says 5:55
